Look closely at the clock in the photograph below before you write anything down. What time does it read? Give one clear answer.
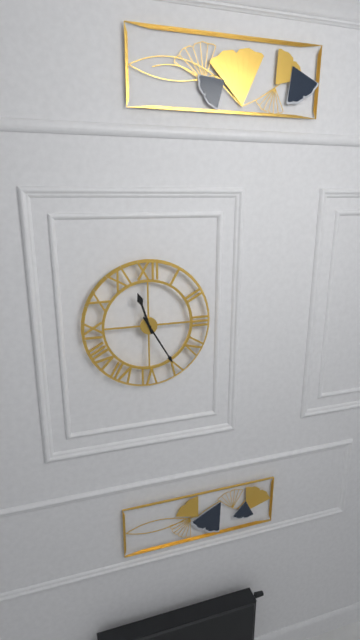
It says 11:25
